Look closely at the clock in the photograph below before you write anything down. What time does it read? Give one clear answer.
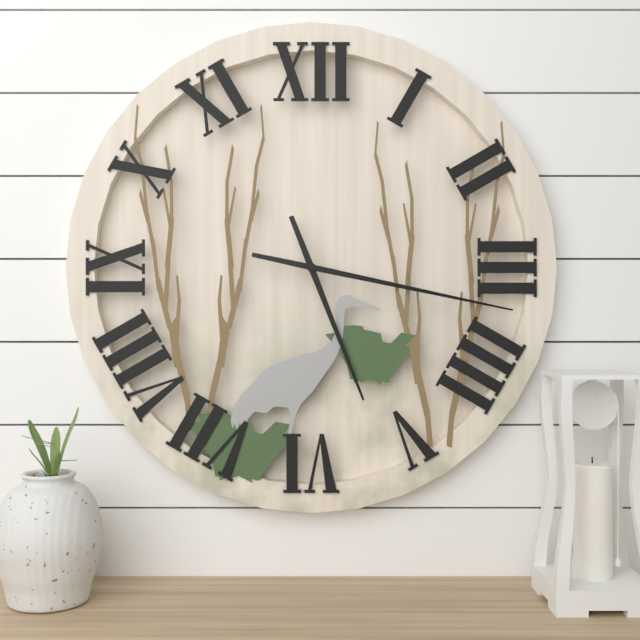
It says 5:17
